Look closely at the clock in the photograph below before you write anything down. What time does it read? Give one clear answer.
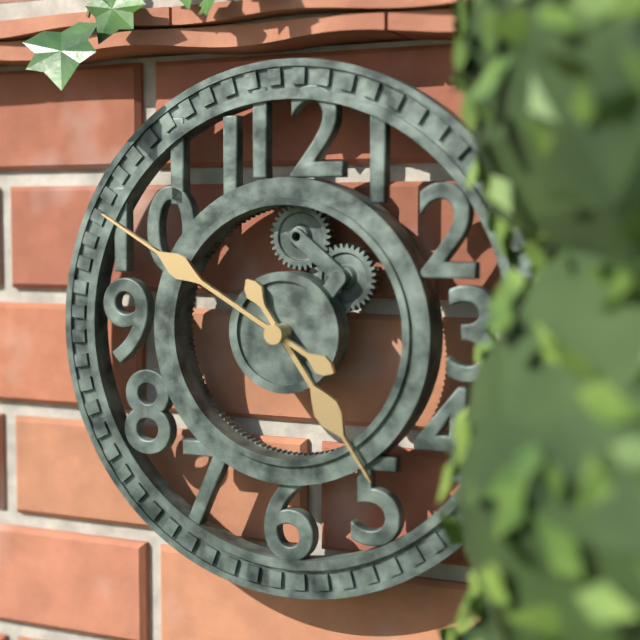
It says 4:50
